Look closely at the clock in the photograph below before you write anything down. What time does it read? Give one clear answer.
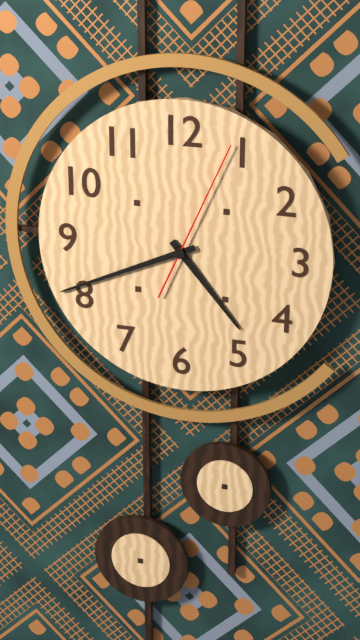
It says 4:41:04
